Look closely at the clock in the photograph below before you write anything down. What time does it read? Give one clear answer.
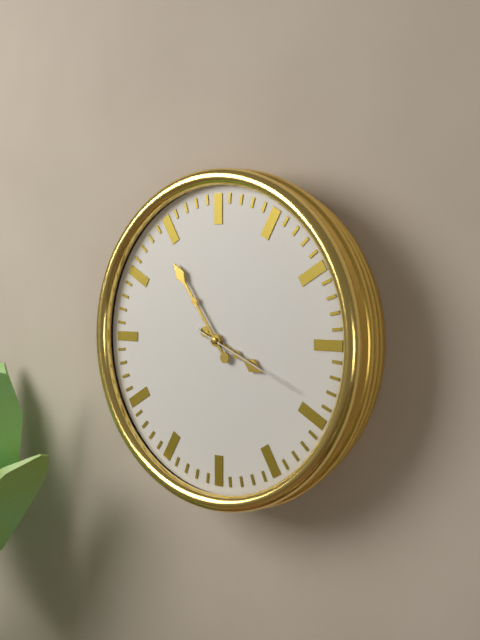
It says 3:54:19
